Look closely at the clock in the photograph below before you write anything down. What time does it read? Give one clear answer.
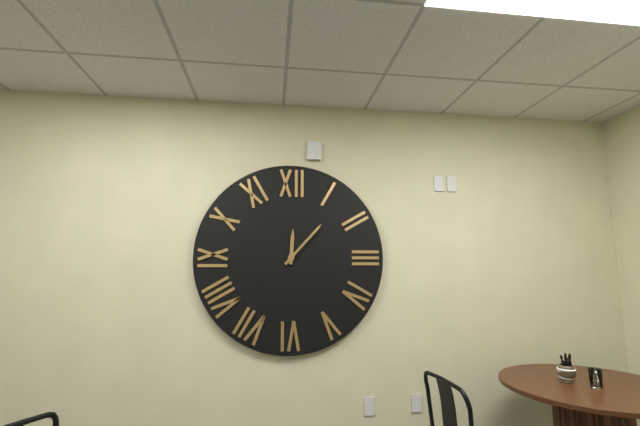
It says 12:07
